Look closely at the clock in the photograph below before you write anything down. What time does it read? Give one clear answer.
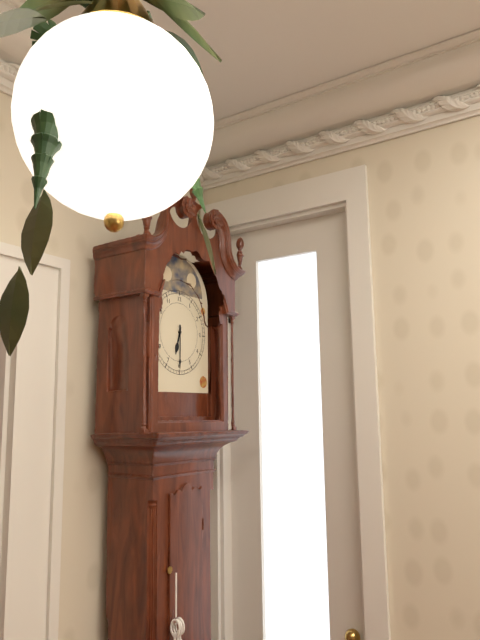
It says 6:30
